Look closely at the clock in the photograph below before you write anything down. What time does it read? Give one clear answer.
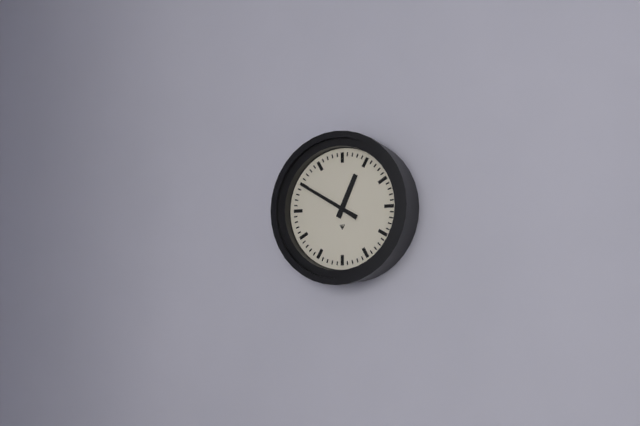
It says 12:50
